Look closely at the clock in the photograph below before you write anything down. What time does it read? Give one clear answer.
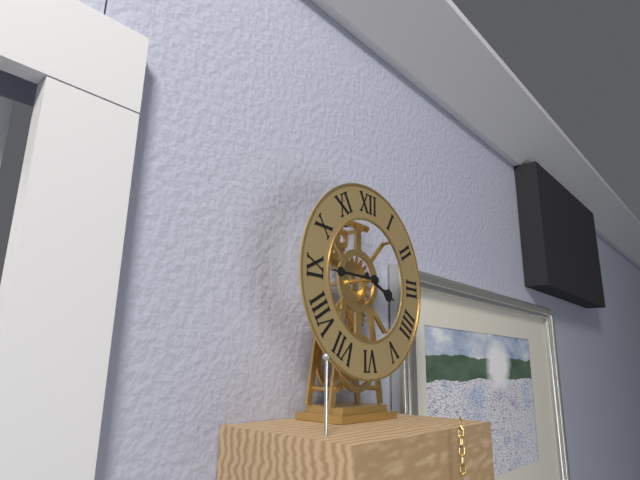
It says 3:45
